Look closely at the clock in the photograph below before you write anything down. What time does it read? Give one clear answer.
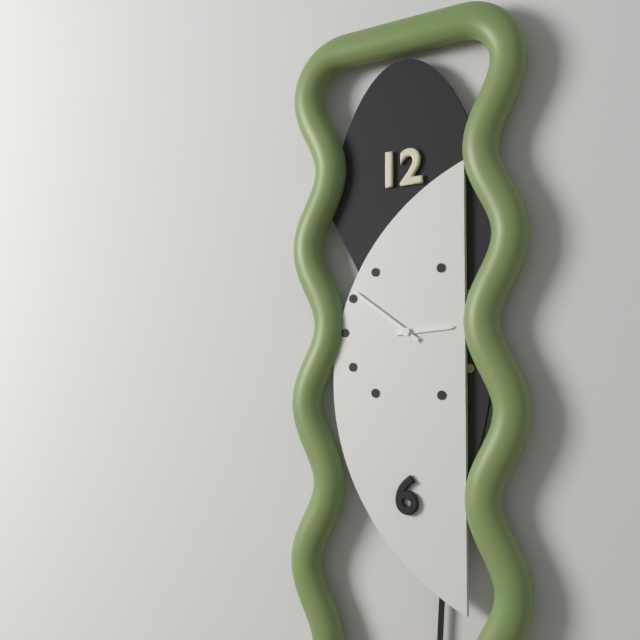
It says 2:51
